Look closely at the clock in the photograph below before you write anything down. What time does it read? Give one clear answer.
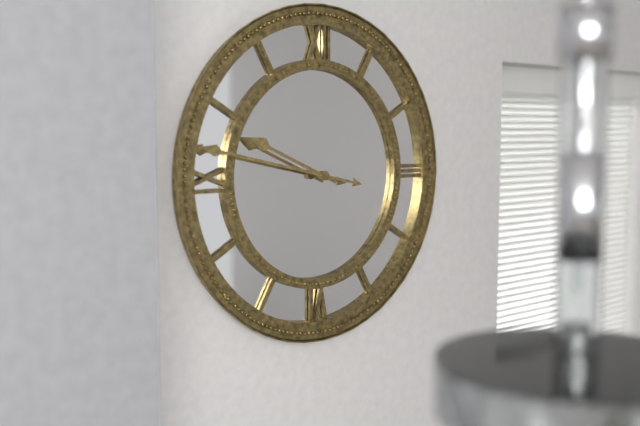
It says 9:47
